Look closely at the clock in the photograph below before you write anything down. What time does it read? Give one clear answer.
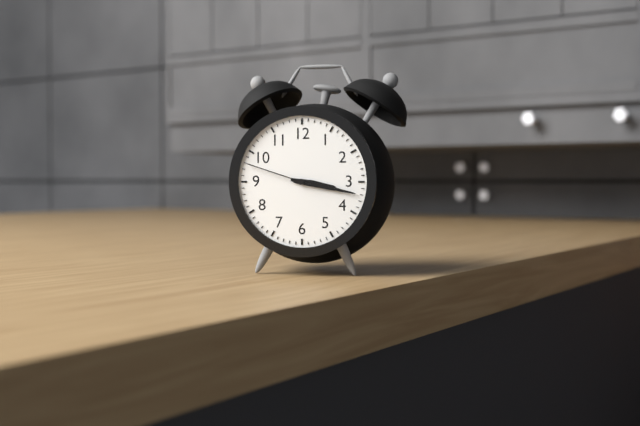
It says 3:17:48
